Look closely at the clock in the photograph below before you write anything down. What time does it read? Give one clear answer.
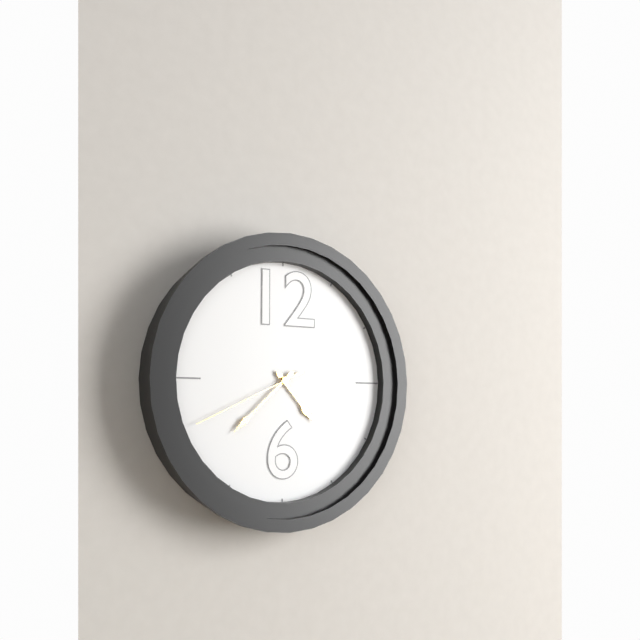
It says 4:38:41
